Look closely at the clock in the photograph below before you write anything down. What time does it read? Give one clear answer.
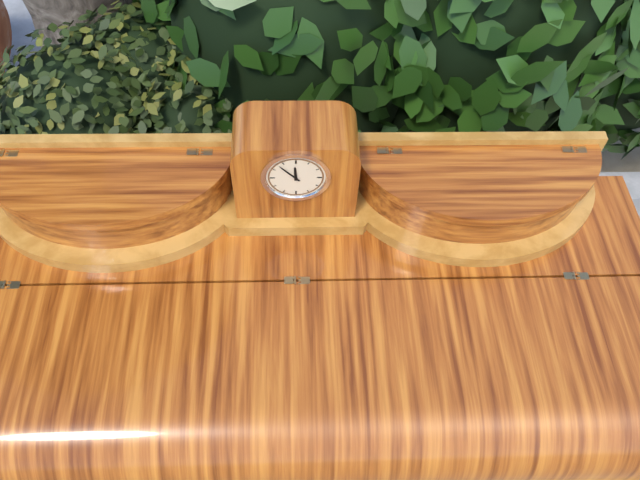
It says 11:53
